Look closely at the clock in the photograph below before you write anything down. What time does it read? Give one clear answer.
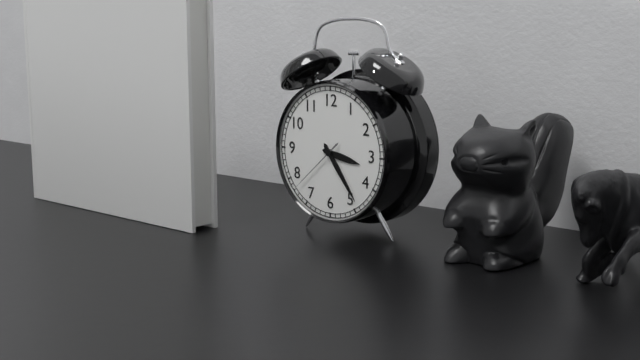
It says 3:24:38
